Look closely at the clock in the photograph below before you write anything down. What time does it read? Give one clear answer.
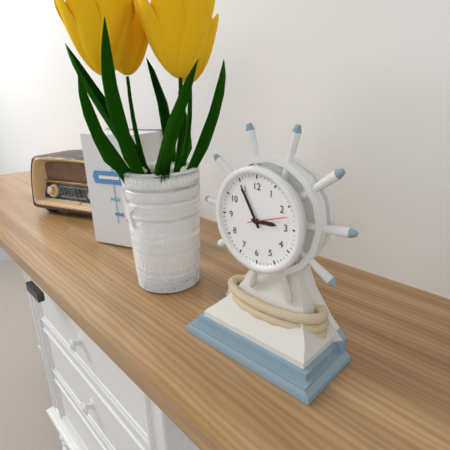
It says 2:55
